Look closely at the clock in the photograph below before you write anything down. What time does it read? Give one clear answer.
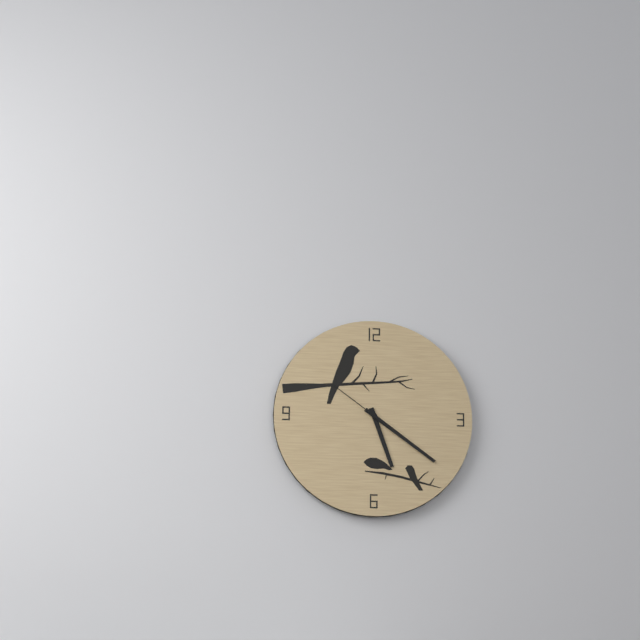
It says 5:21:51
